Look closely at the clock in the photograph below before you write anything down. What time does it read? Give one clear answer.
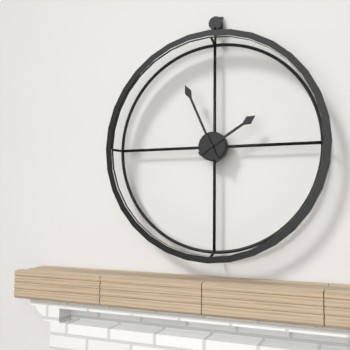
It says 1:56
